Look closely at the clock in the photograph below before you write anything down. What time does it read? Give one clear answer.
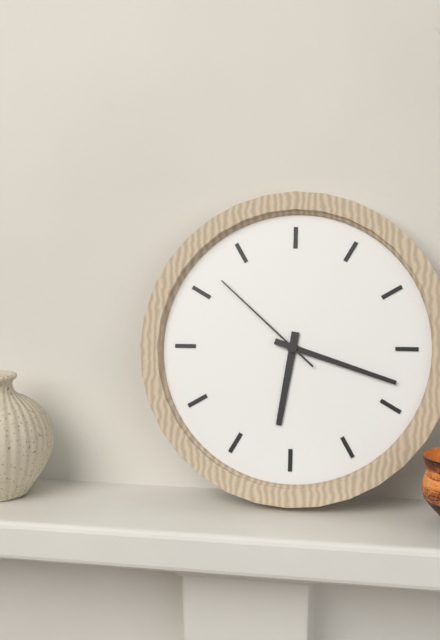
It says 6:18:52
